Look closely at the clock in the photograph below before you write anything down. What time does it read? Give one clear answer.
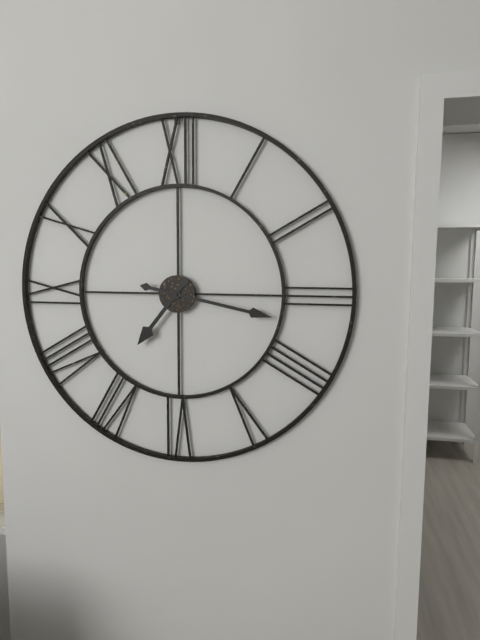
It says 7:17
